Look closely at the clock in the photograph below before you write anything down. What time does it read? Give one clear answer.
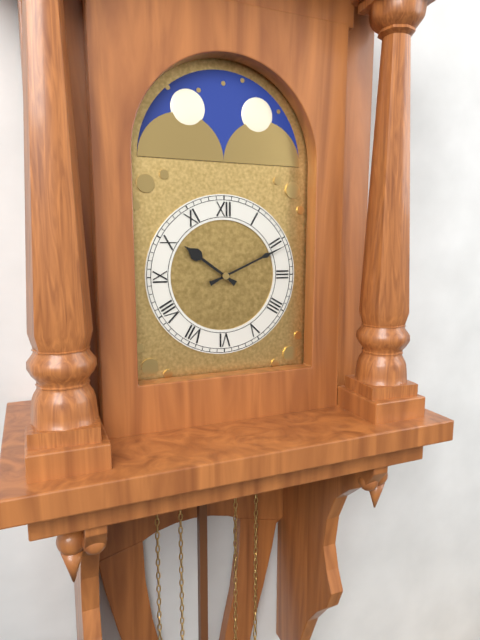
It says 10:11
